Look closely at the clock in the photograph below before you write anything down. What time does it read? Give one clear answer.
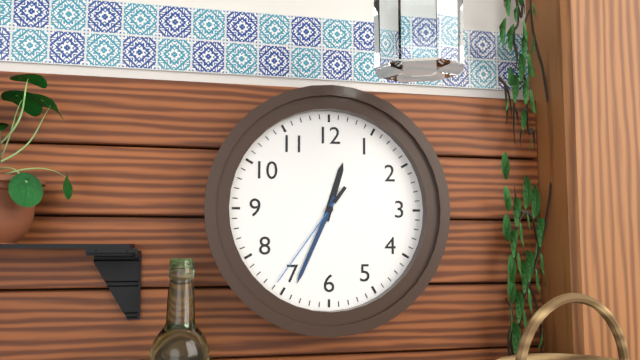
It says 12:34:36
